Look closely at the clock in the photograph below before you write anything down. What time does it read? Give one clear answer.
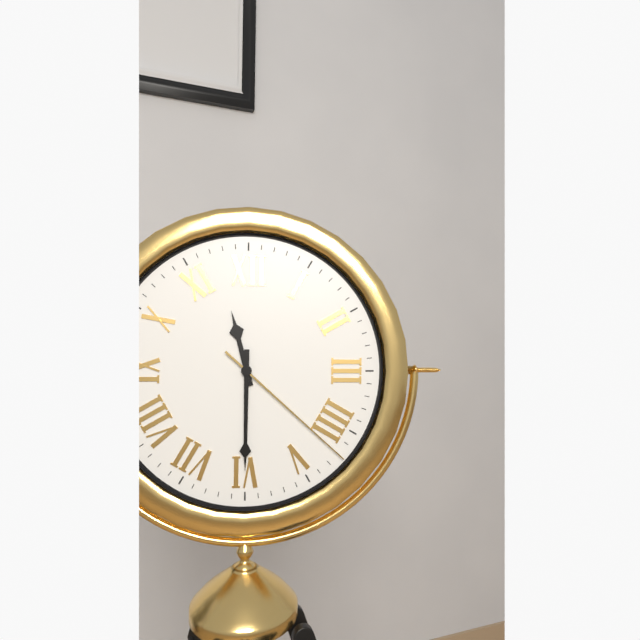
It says 11:30:22
